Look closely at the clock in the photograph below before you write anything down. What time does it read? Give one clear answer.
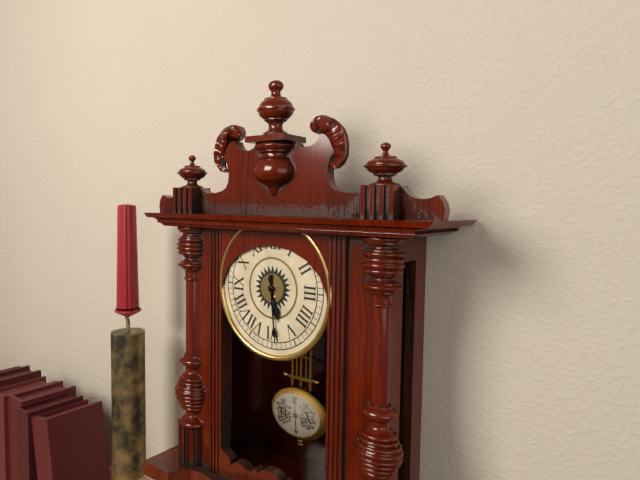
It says 5:29
